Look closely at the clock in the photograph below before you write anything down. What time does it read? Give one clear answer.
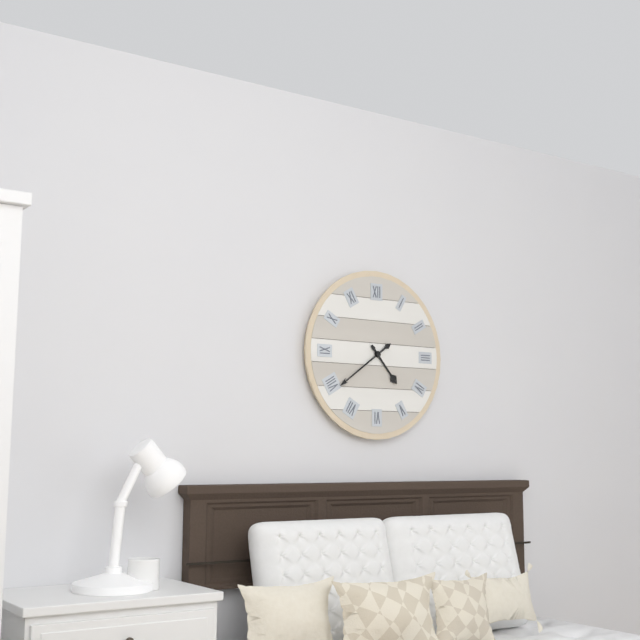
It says 4:39
